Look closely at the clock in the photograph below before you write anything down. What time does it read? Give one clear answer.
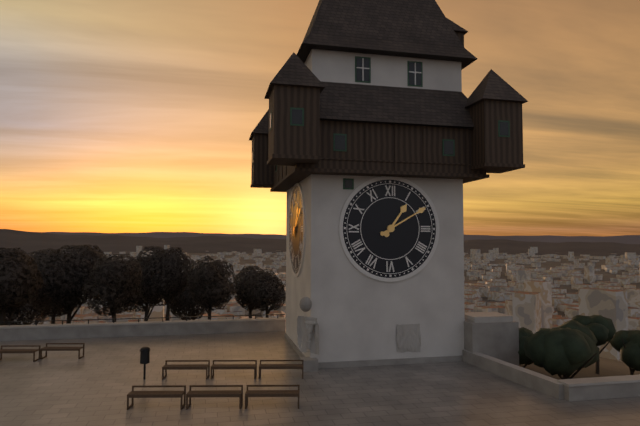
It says 1:10
